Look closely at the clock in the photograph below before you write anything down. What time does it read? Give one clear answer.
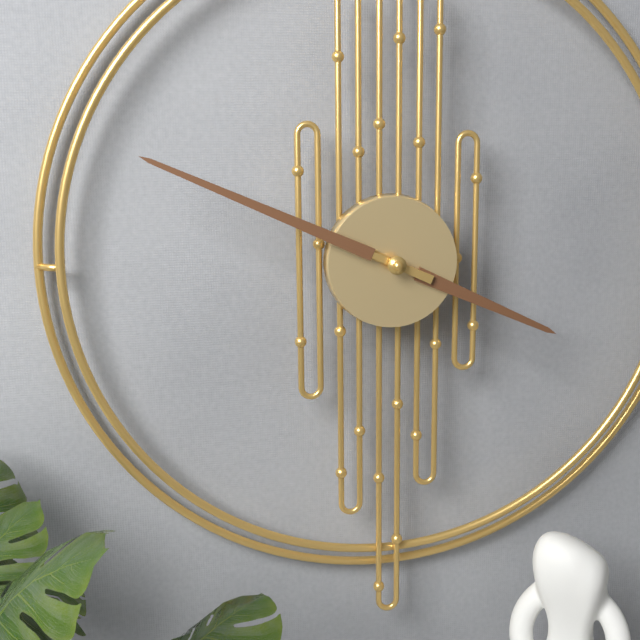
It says 3:49
